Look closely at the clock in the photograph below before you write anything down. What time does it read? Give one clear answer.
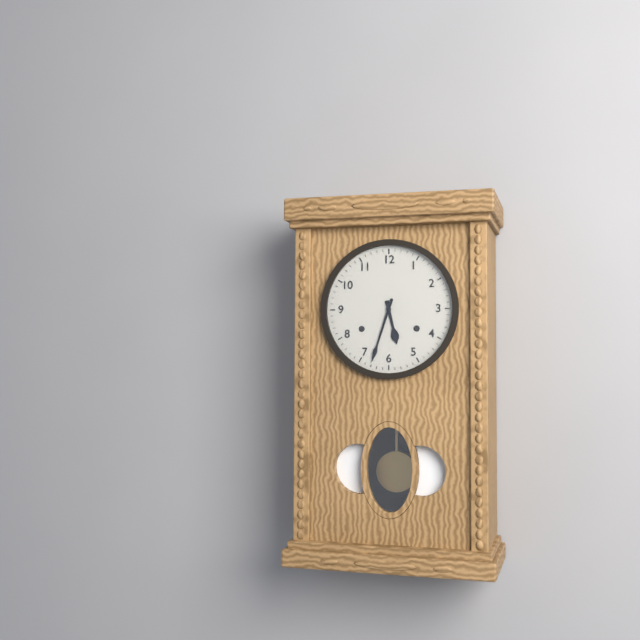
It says 5:33
